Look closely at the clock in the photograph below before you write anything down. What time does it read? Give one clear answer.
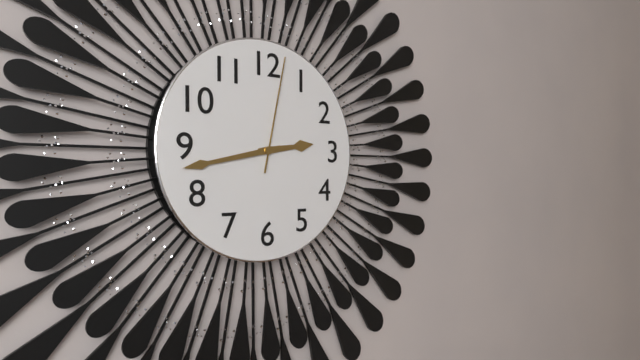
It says 2:43:02
